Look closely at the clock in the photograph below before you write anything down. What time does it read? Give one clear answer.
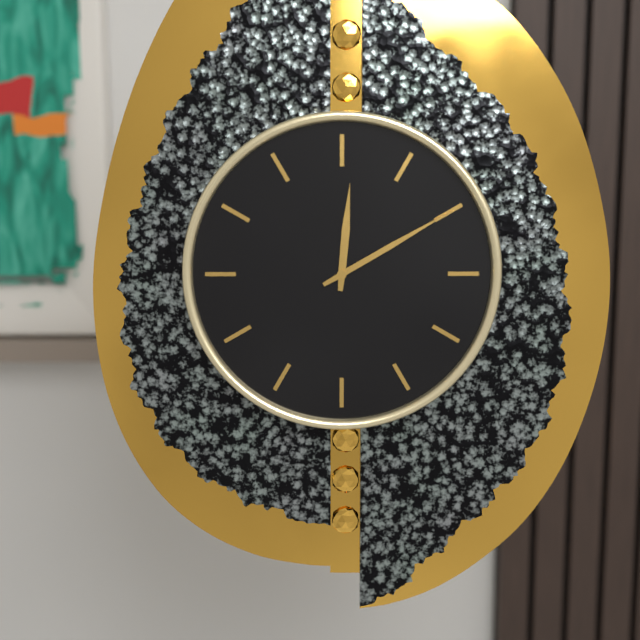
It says 12:10
